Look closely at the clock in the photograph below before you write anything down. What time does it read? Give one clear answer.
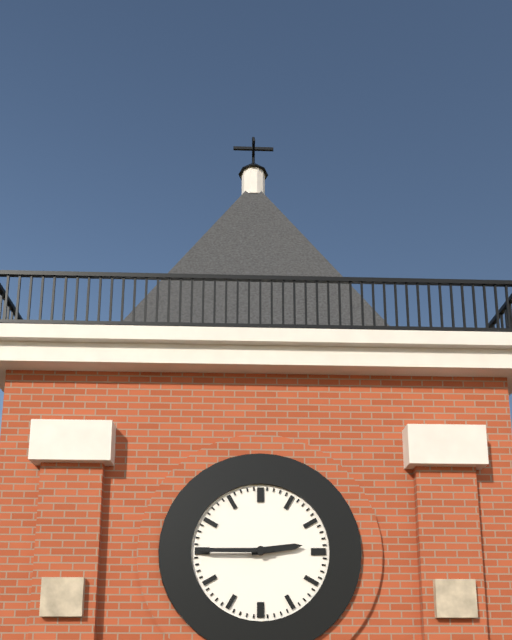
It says 2:45
